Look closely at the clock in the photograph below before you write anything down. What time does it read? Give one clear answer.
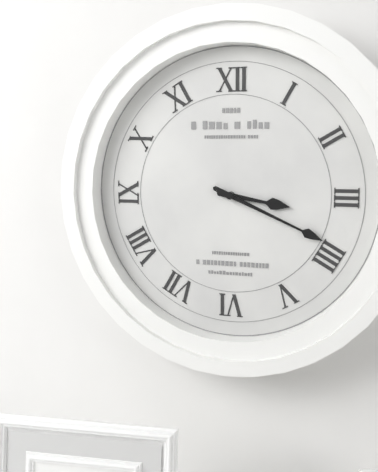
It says 3:19
